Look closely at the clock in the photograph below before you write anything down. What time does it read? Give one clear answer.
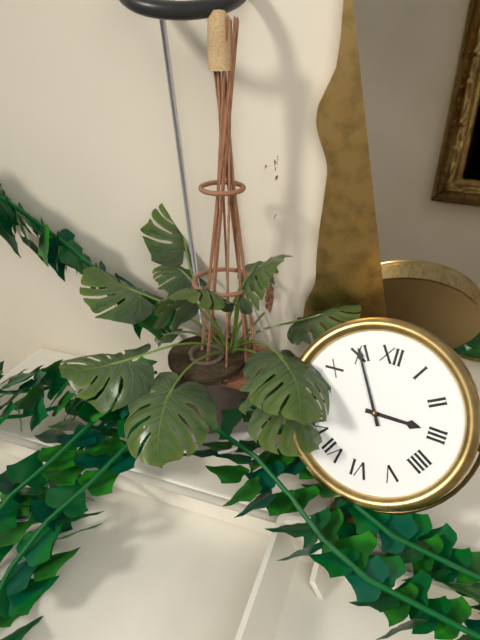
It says 2:55
